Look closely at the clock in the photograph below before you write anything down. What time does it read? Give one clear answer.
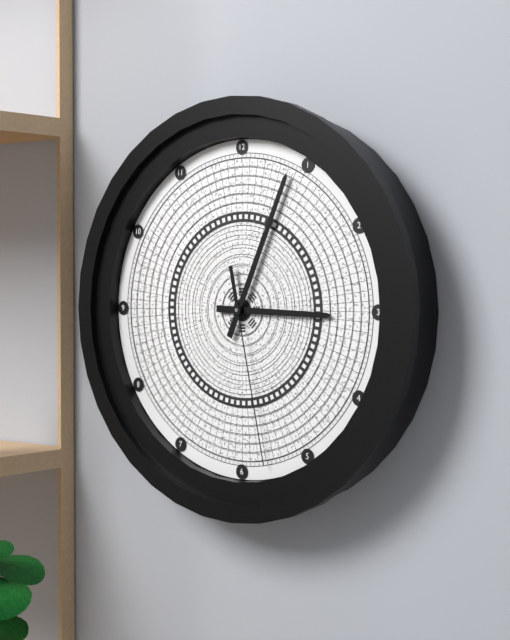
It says 3:04:28
